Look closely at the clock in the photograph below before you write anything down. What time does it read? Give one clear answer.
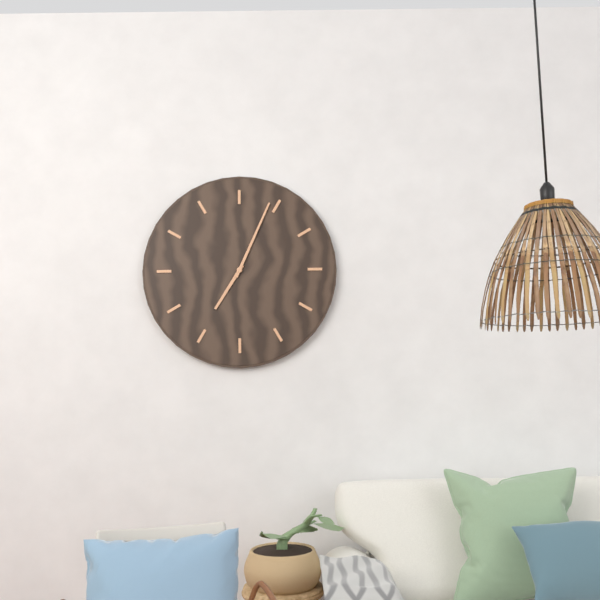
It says 7:04
